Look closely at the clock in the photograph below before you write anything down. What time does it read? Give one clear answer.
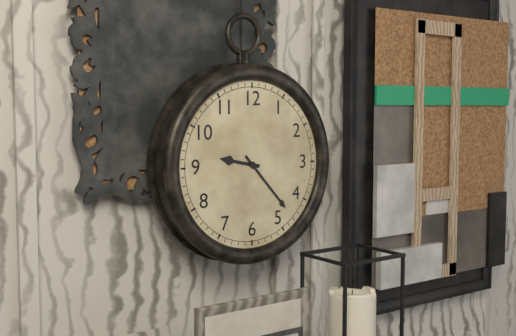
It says 9:23
